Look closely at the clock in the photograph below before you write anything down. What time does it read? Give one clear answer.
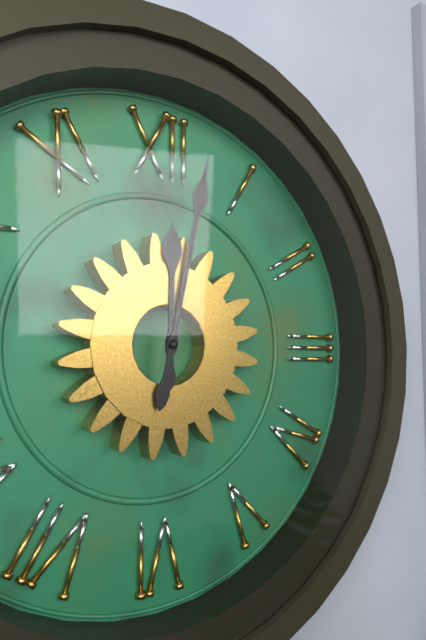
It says 12:02
